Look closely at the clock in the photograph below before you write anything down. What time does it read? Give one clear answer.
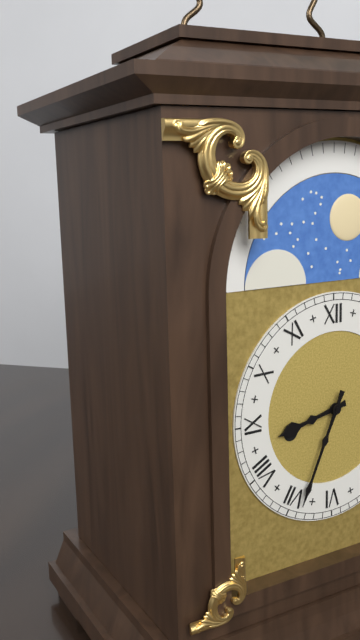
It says 8:34
